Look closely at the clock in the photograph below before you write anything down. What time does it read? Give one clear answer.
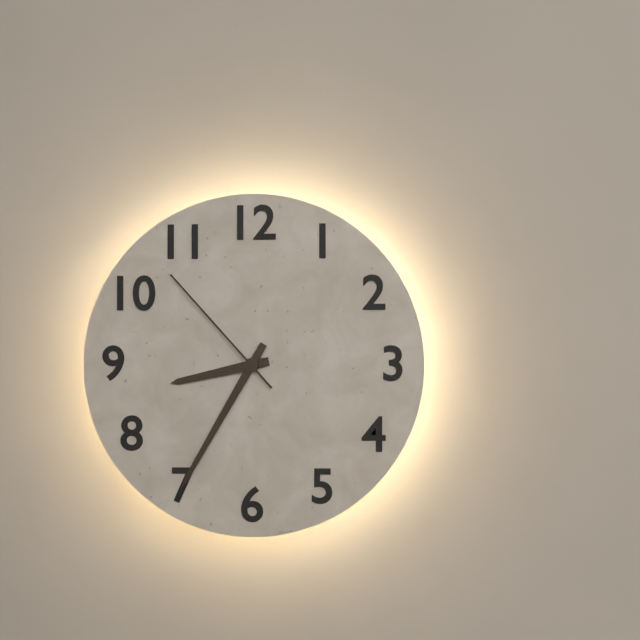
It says 8:35:53
